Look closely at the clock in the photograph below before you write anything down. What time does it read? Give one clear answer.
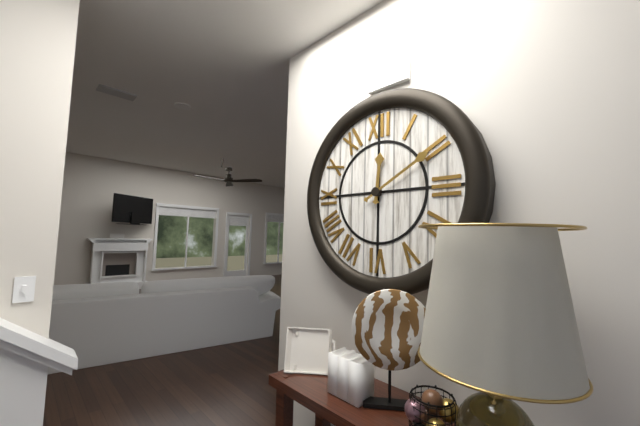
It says 12:10
